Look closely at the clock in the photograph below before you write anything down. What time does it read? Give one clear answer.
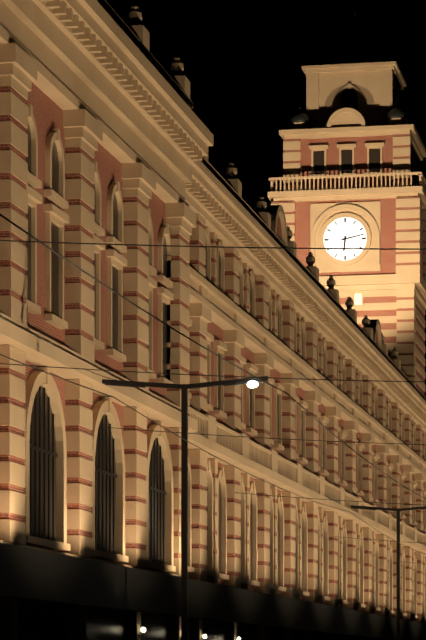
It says 6:13
